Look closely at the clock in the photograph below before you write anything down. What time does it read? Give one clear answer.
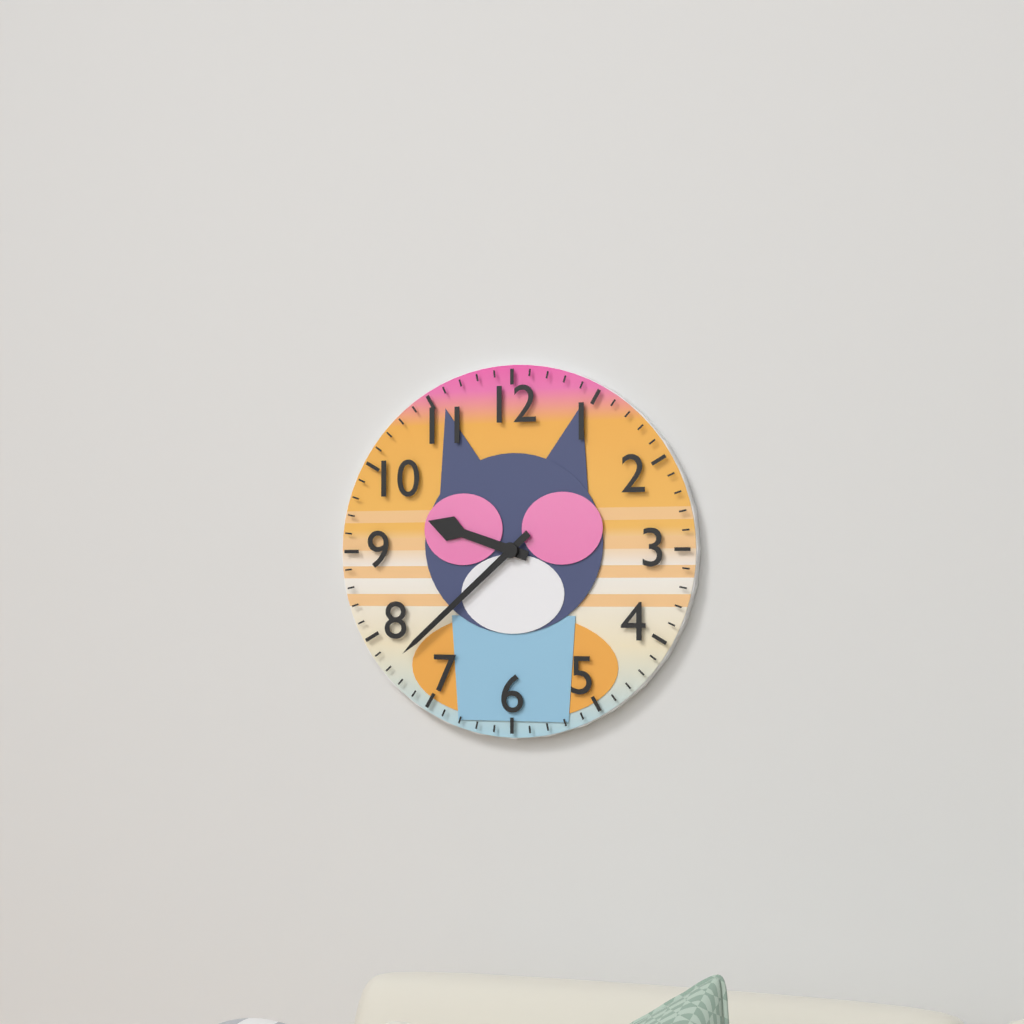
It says 9:38
